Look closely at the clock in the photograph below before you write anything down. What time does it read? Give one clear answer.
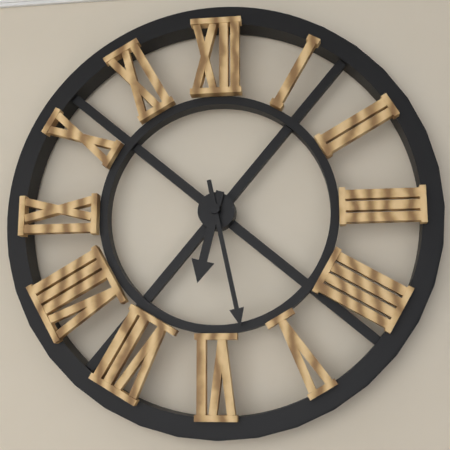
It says 6:28
